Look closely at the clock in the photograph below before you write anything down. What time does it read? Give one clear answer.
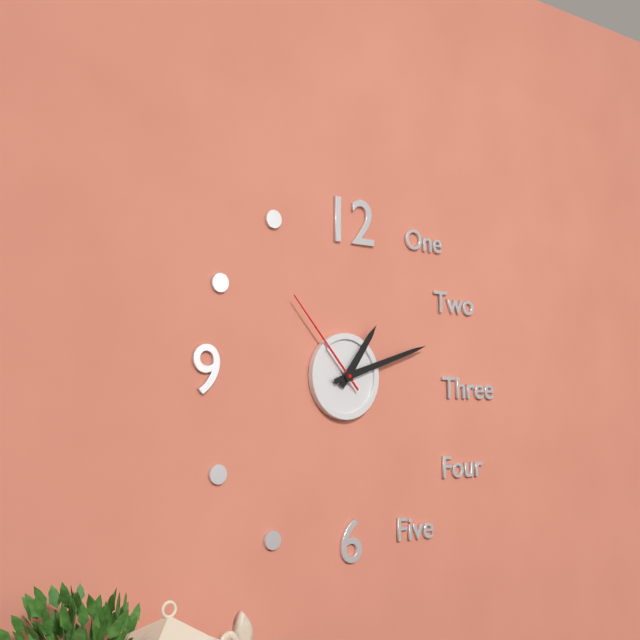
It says 1:12:53
